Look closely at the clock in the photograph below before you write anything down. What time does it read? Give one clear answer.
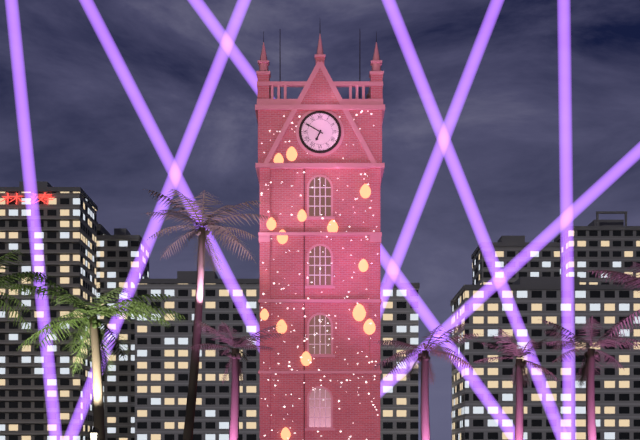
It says 6:50
